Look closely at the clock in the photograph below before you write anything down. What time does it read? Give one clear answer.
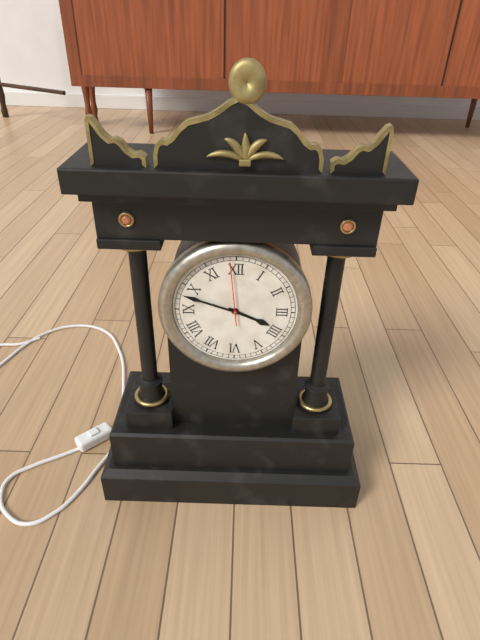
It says 3:48:59
